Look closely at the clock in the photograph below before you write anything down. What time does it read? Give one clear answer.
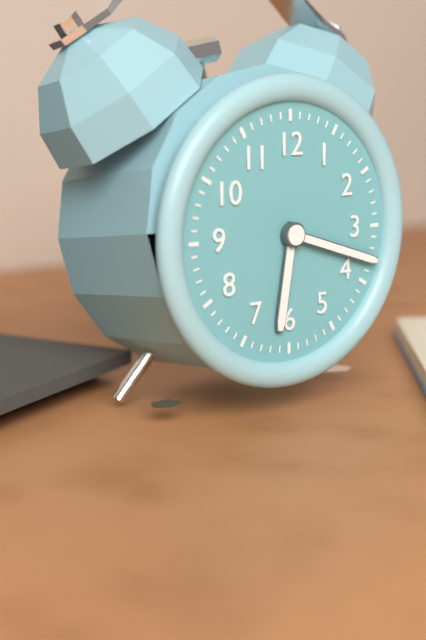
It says 6:18
